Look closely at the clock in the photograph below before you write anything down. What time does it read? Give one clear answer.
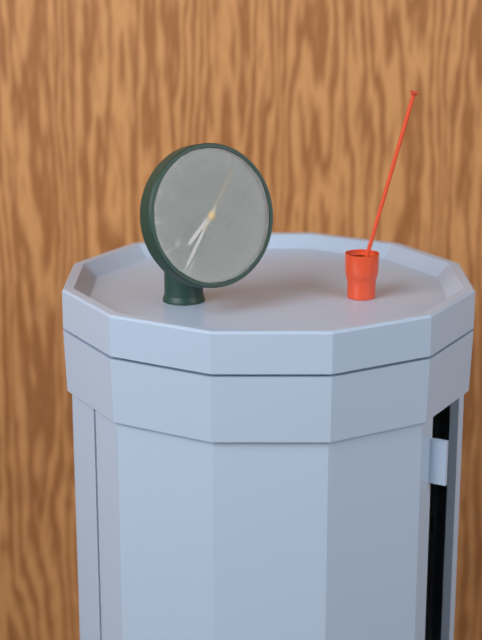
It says 7:36:06
